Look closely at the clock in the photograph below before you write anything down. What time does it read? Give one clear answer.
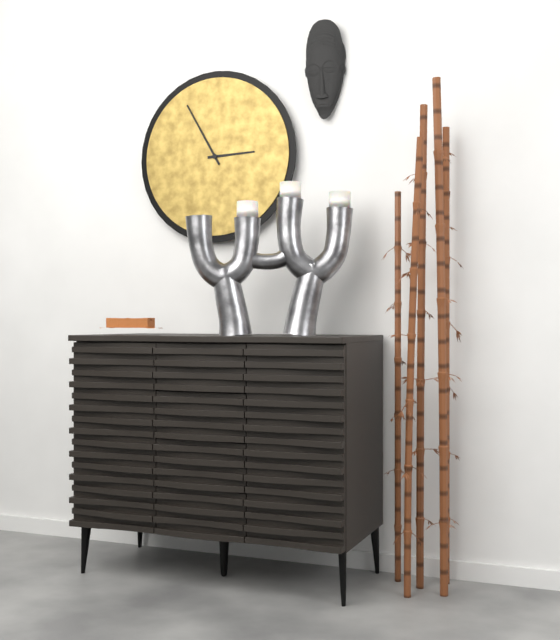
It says 2:55
